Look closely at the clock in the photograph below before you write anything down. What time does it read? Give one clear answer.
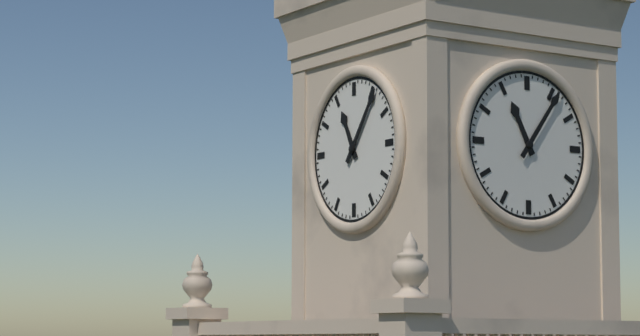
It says 11:06
